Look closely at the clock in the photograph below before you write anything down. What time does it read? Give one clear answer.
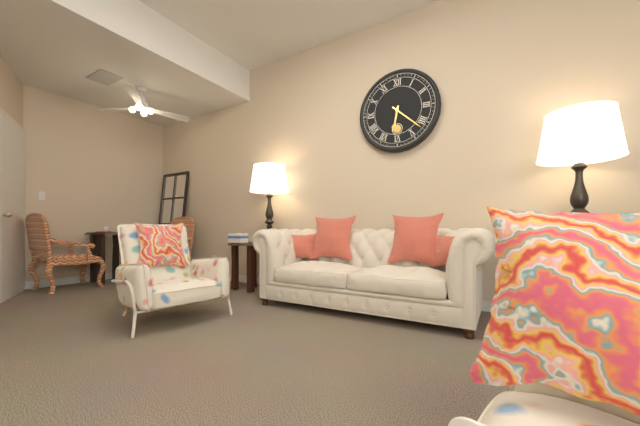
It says 6:22
